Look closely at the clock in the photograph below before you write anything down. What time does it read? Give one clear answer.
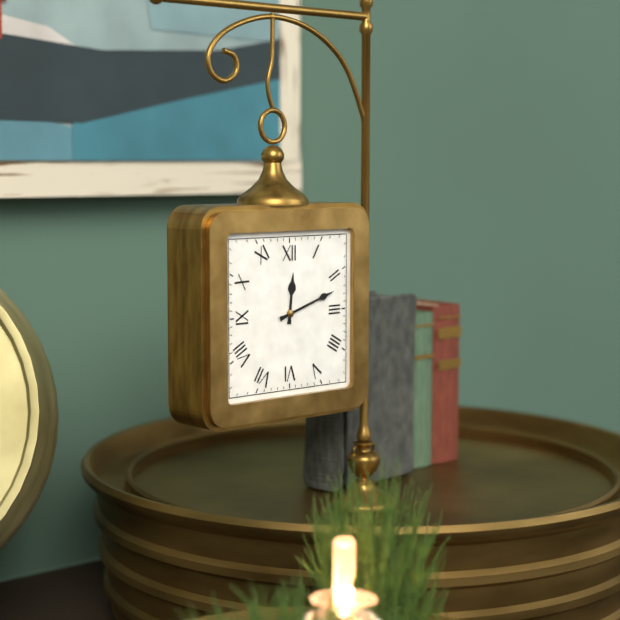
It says 12:12
